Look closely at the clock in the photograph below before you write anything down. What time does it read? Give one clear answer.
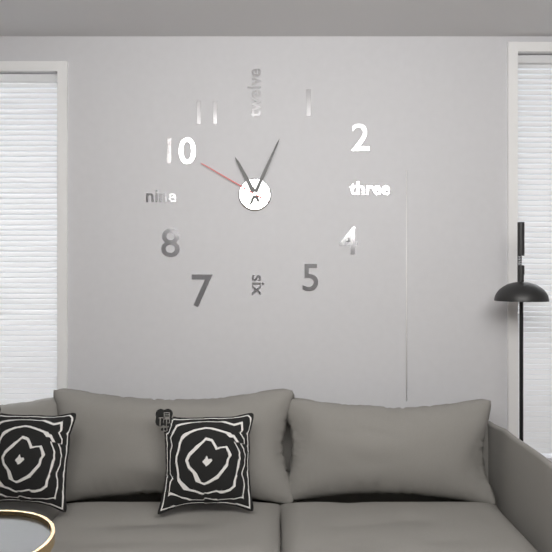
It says 11:04:50
